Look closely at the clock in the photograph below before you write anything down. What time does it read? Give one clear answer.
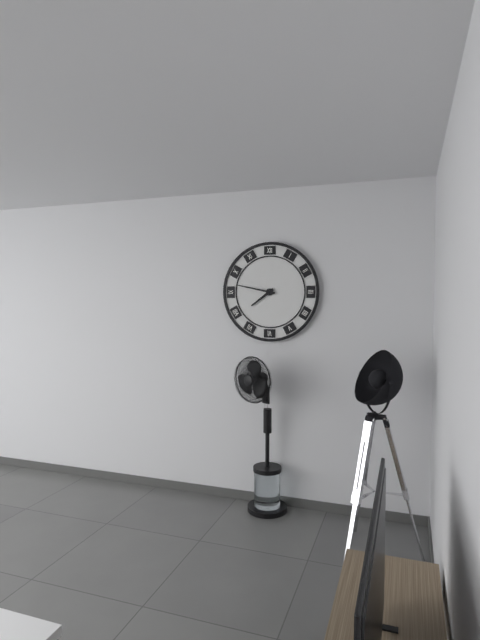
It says 7:47
